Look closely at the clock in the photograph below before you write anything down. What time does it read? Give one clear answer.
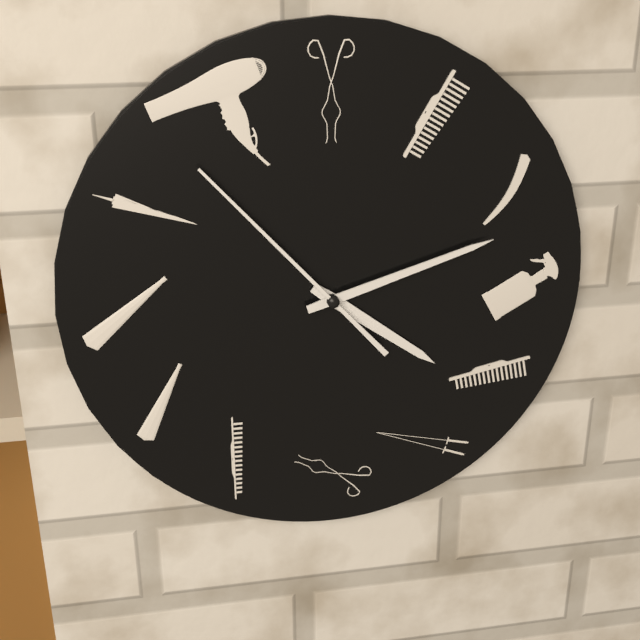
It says 4:12:53
